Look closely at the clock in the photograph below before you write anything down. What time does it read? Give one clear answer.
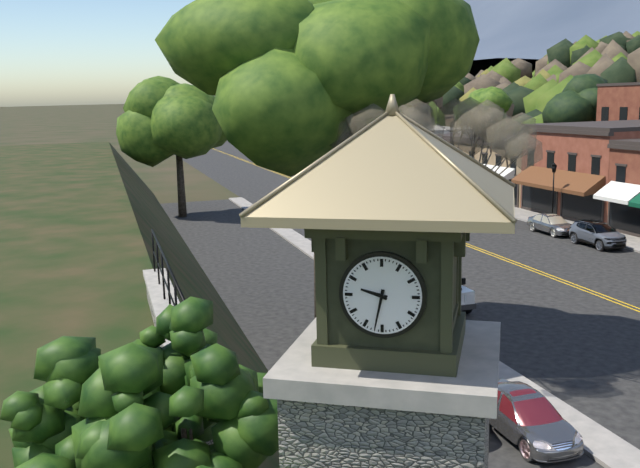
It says 9:32
